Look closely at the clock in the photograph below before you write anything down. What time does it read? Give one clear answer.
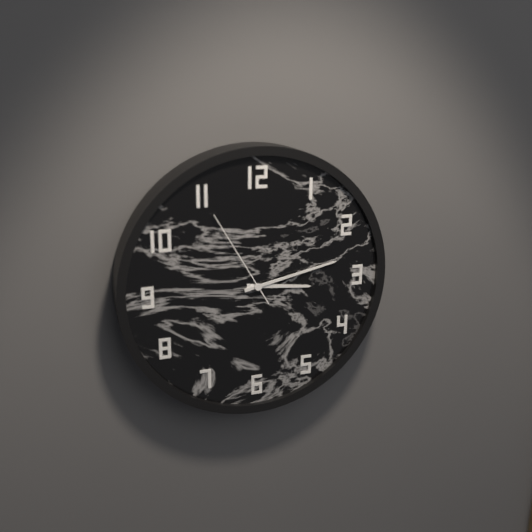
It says 3:13:55
